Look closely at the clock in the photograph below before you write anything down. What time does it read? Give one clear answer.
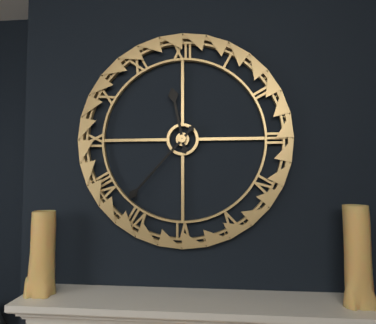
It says 11:37
